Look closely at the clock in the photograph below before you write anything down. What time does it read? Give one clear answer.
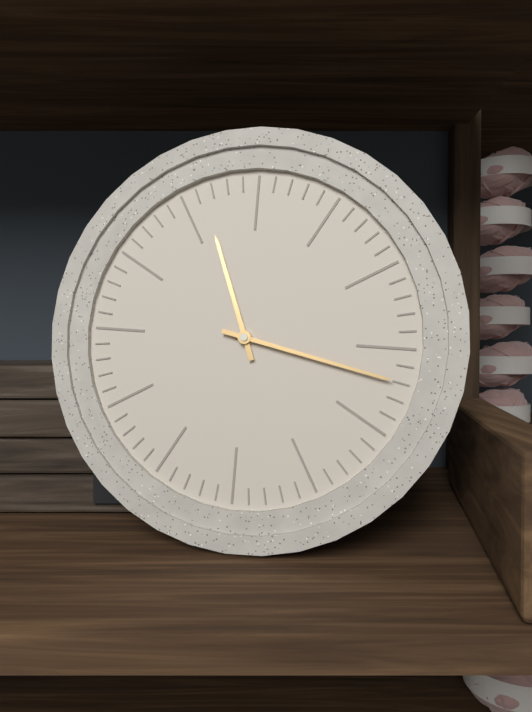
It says 11:17
